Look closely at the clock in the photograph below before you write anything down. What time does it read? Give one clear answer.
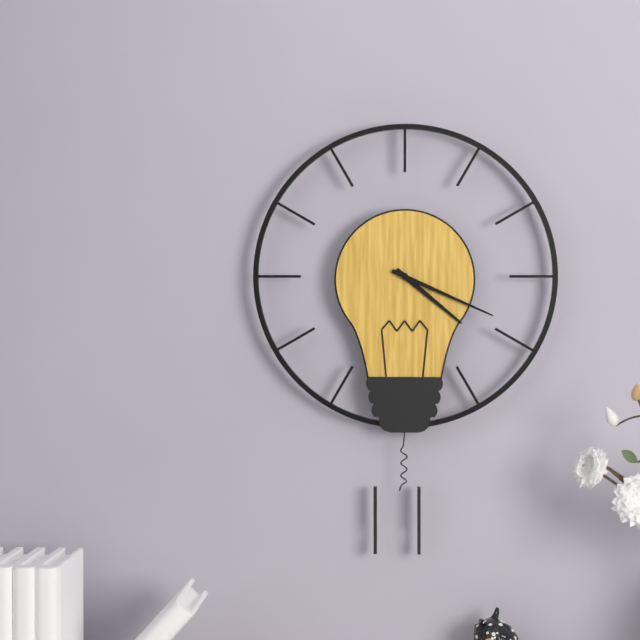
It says 4:19
